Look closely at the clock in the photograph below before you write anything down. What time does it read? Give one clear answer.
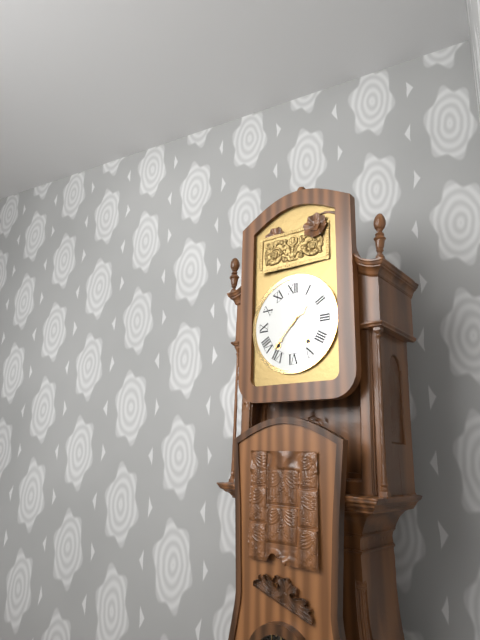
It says 1:37
